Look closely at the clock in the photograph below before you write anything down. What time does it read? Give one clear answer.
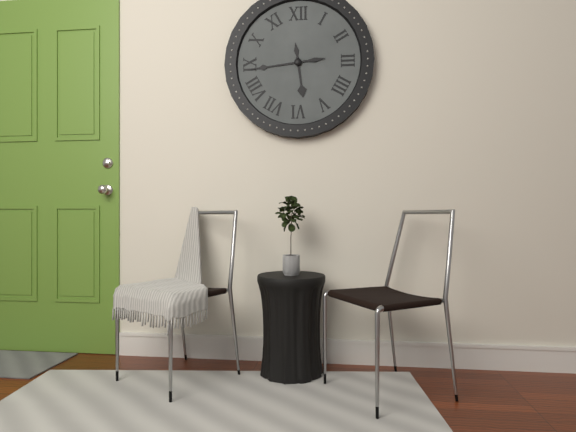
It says 5:44
